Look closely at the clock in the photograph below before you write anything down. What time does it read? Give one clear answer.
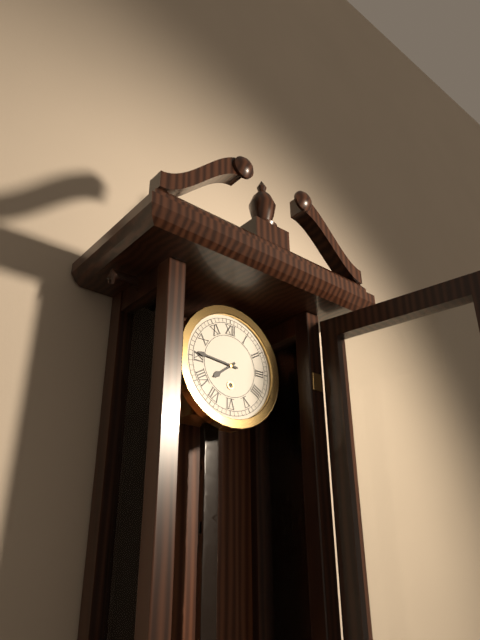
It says 7:46
